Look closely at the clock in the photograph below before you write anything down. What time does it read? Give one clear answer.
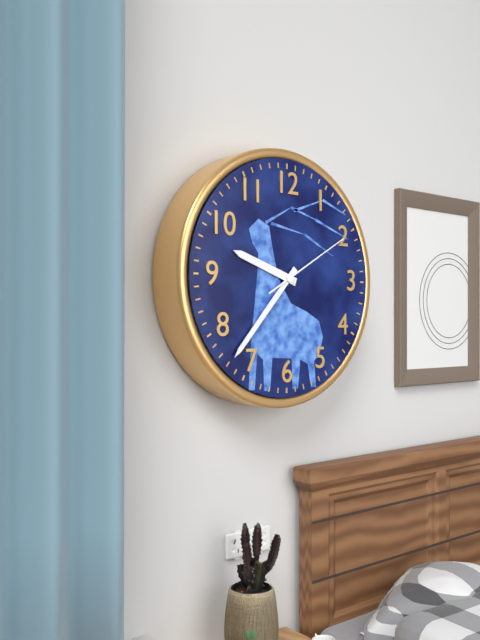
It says 9:37:10
